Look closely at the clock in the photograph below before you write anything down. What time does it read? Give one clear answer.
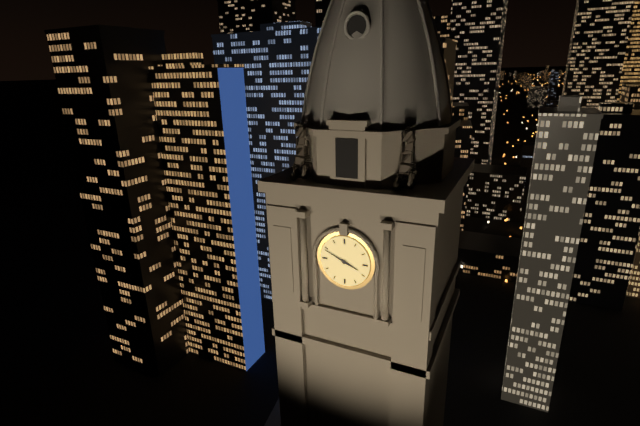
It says 3:49
